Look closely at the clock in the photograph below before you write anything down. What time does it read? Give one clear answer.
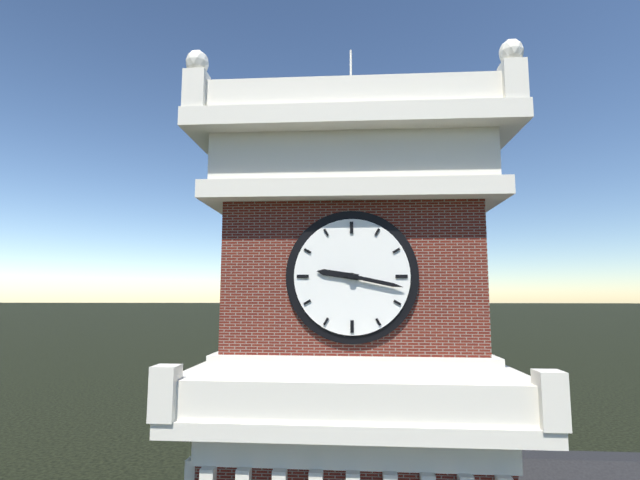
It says 9:17
